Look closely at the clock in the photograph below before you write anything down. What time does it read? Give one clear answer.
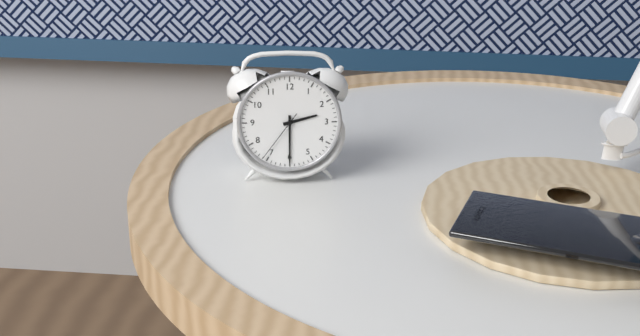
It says 2:30:36
